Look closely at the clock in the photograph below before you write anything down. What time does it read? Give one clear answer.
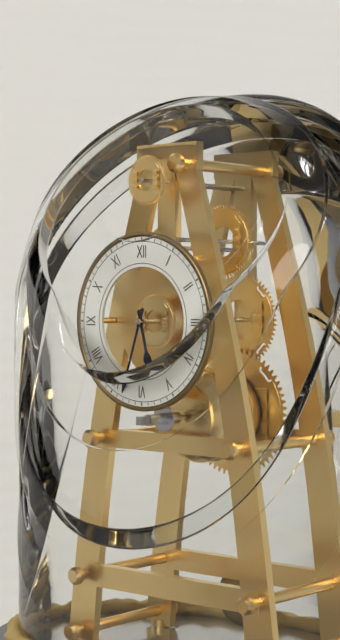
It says 5:33
